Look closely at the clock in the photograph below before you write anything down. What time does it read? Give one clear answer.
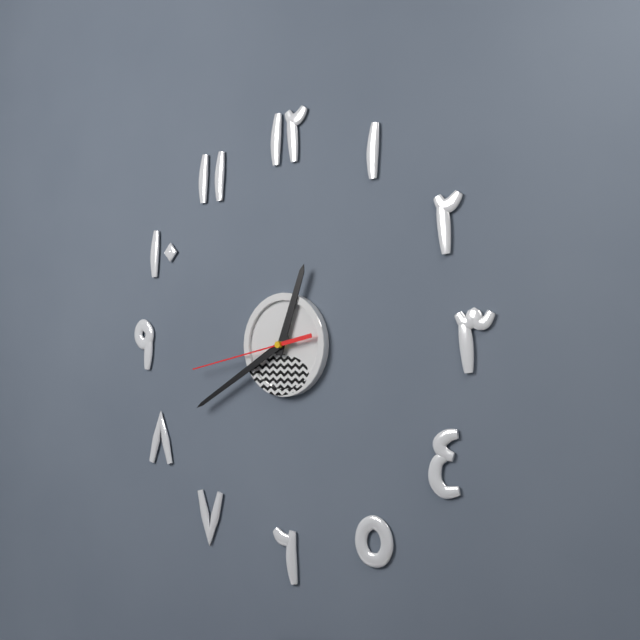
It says 12:40:43
